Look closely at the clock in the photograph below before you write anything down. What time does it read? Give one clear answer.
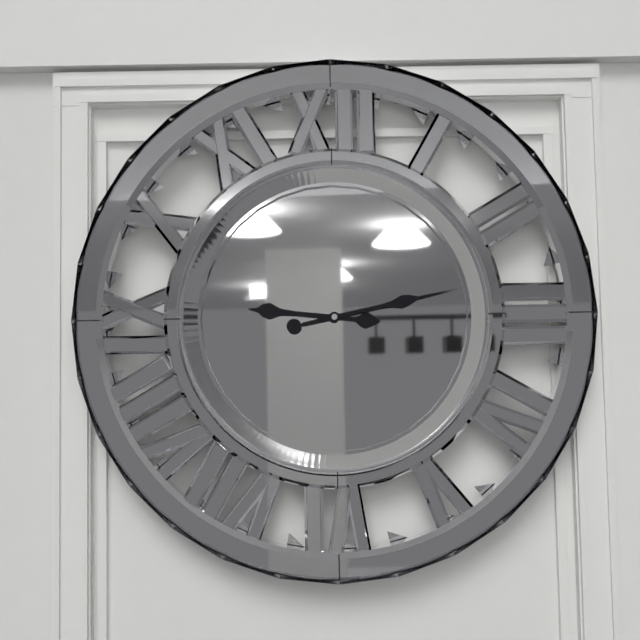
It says 9:13
